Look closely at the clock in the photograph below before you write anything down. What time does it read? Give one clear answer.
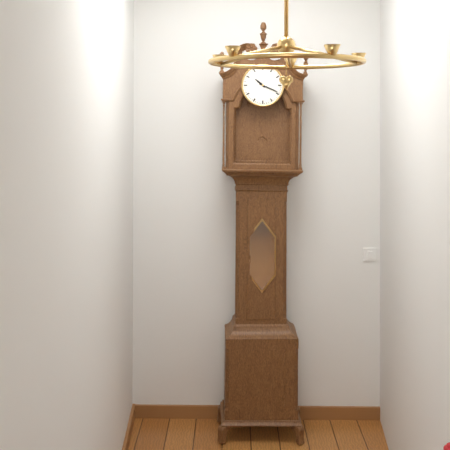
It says 10:19
